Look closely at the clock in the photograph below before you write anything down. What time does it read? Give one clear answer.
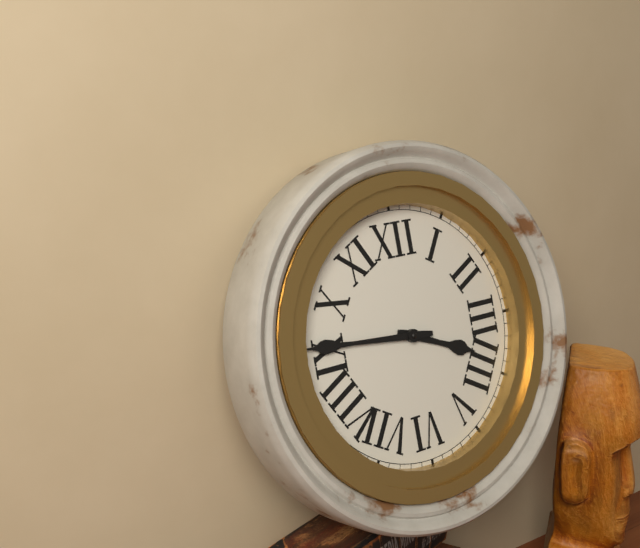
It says 3:46
